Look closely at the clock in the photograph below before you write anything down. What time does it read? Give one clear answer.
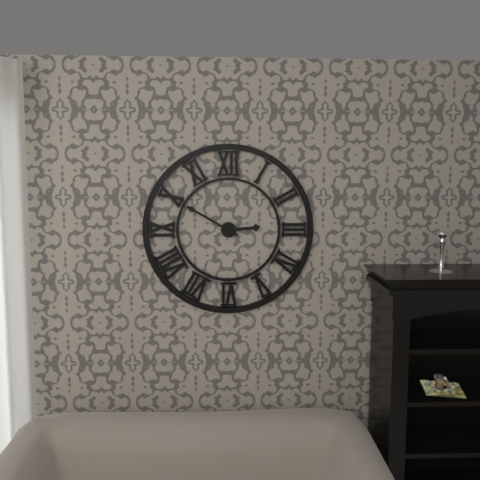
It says 2:50
